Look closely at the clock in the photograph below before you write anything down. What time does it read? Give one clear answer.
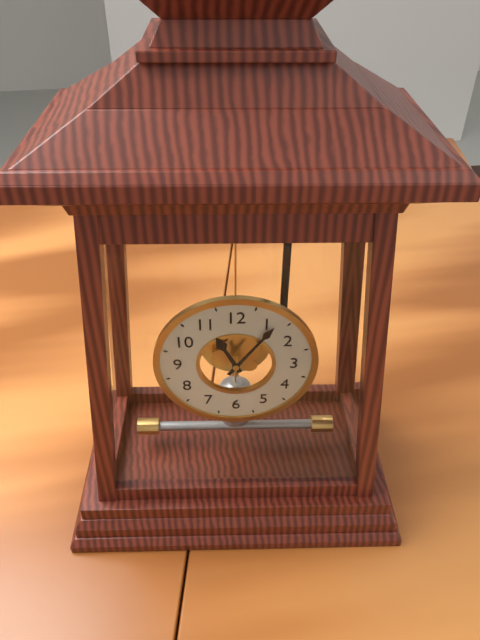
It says 11:06
